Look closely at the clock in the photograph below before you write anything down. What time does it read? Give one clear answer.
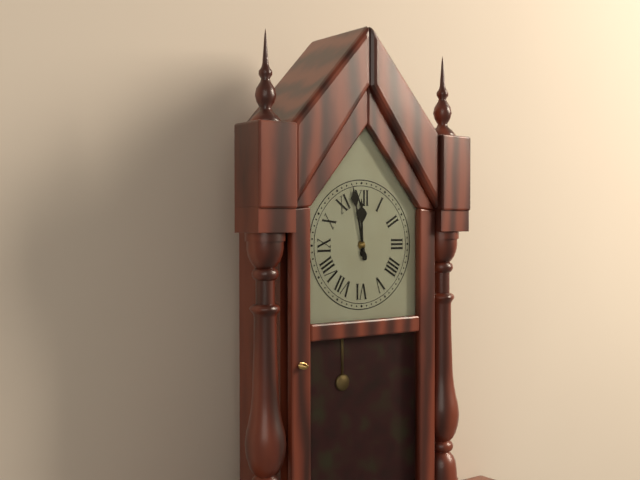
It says 11:58
